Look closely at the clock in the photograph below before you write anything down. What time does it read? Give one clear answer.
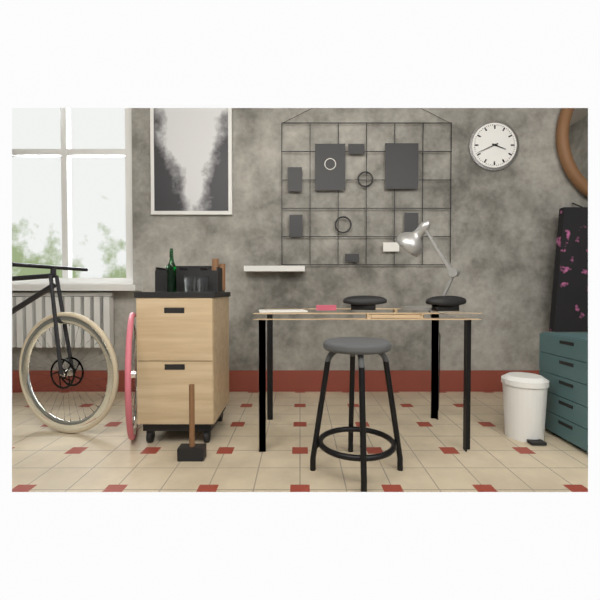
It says 3:41
